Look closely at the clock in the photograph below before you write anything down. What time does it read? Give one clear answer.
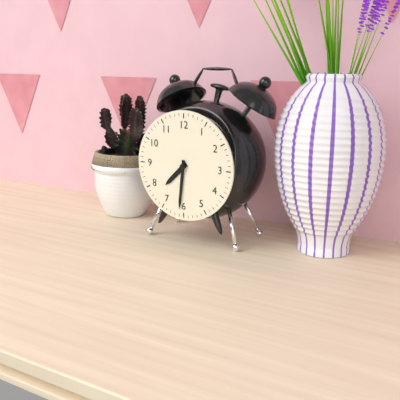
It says 7:31
